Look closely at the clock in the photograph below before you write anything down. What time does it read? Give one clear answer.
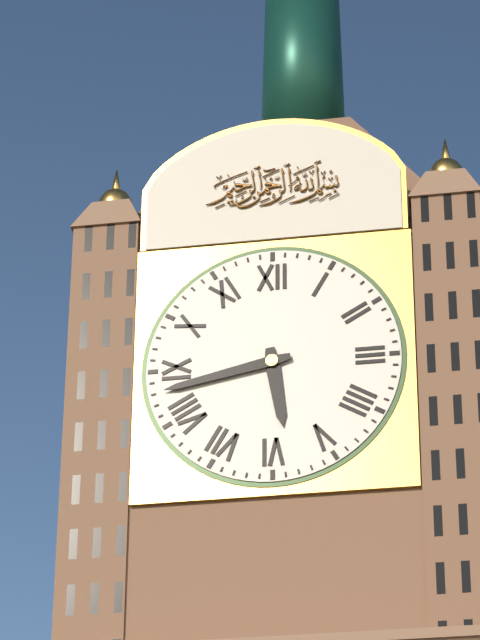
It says 5:43
